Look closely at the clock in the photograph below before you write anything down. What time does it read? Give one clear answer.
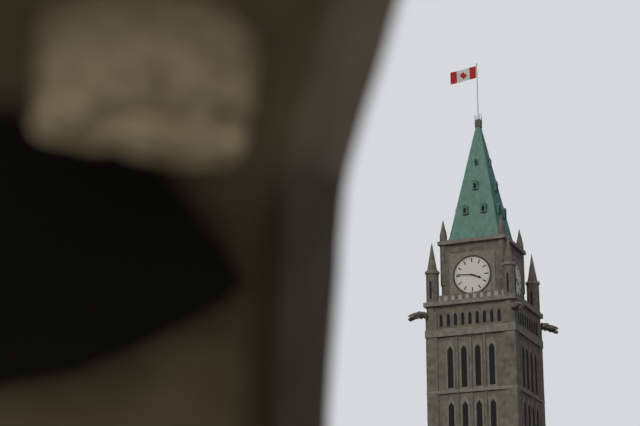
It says 3:46
